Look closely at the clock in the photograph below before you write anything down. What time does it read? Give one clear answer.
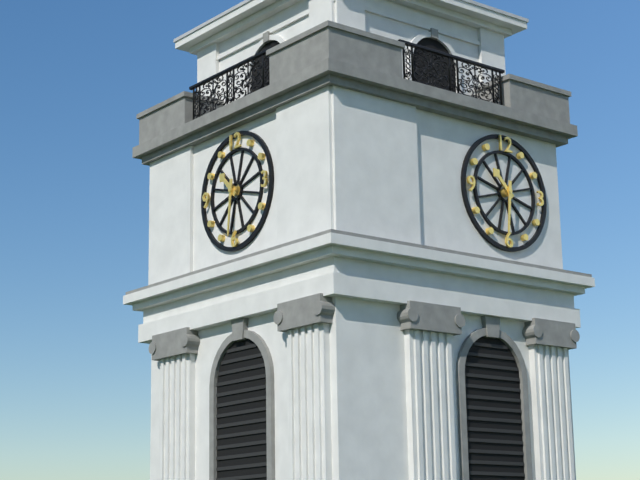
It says 10:31
